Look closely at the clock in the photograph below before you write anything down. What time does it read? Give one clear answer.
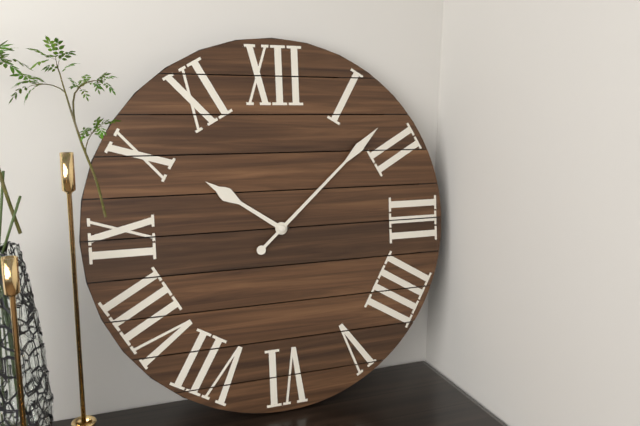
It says 10:08
